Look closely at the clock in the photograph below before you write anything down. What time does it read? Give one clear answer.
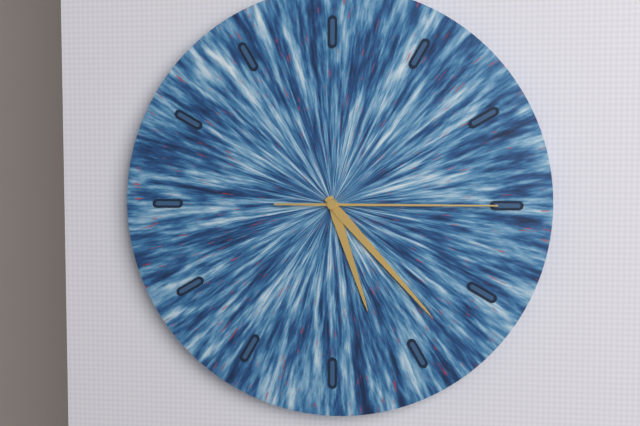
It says 5:23:15
